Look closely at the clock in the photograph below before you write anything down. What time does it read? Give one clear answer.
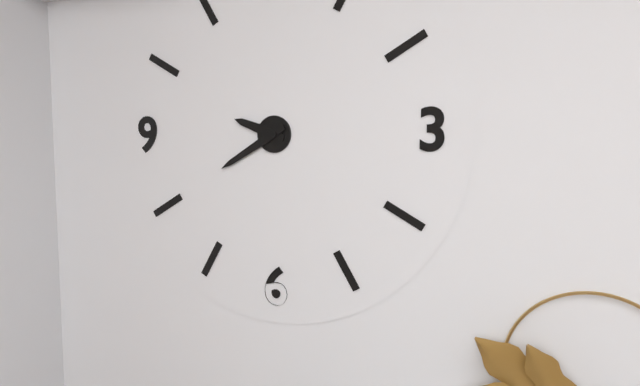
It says 9:40
